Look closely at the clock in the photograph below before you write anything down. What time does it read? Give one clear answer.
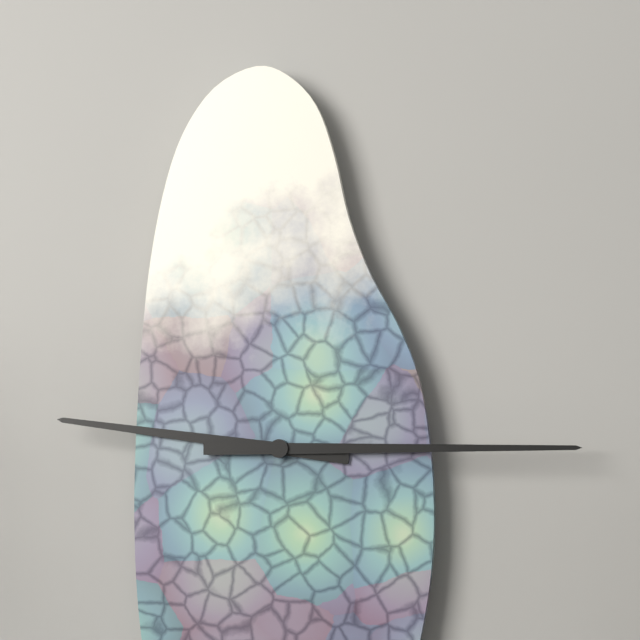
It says 9:15
